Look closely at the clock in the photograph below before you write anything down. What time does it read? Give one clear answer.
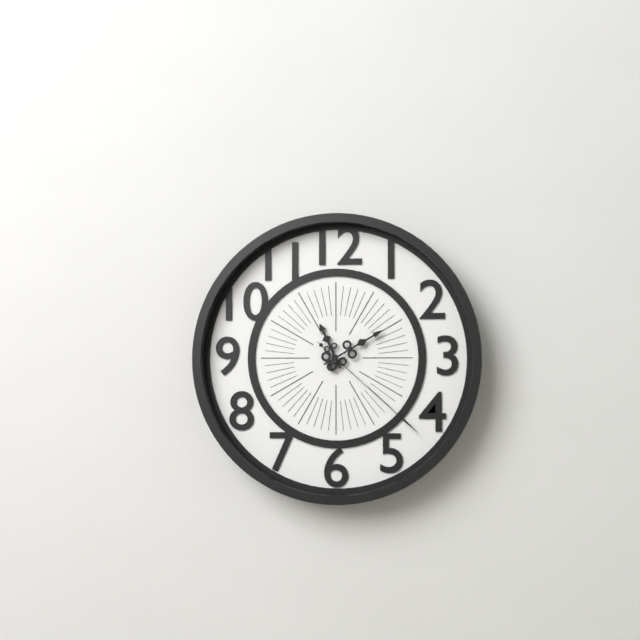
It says 11:10:22
